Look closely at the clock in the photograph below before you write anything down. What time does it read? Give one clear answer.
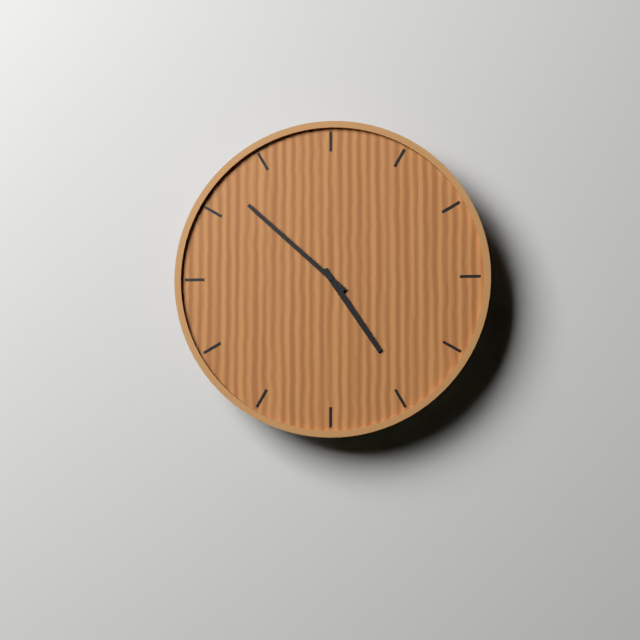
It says 4:52
